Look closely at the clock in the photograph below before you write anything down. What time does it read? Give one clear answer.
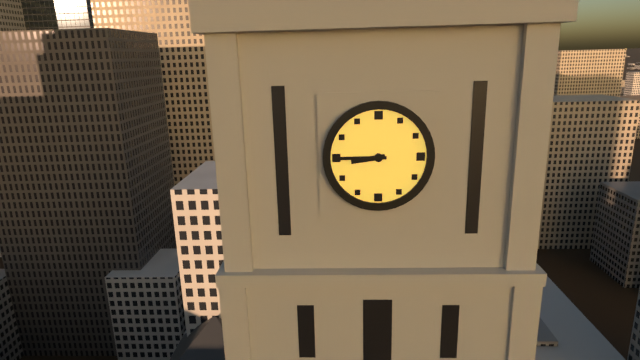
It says 8:45
